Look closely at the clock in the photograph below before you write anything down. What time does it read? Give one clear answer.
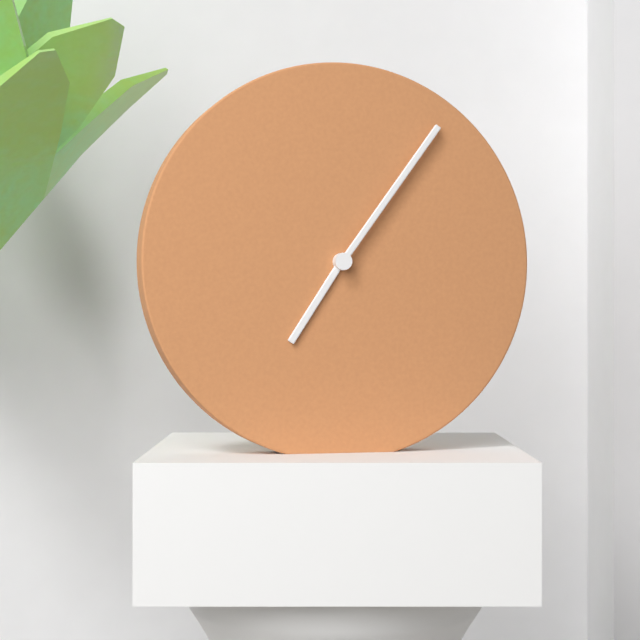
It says 7:06
